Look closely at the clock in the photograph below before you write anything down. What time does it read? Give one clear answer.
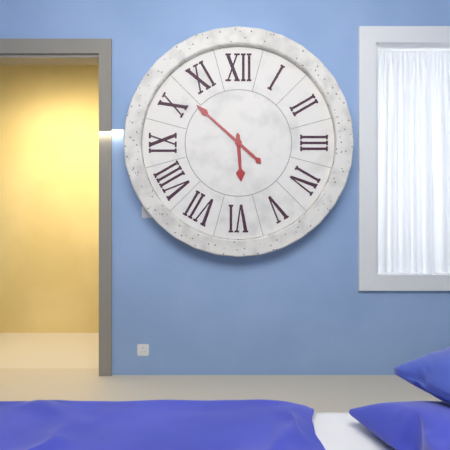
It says 5:52
